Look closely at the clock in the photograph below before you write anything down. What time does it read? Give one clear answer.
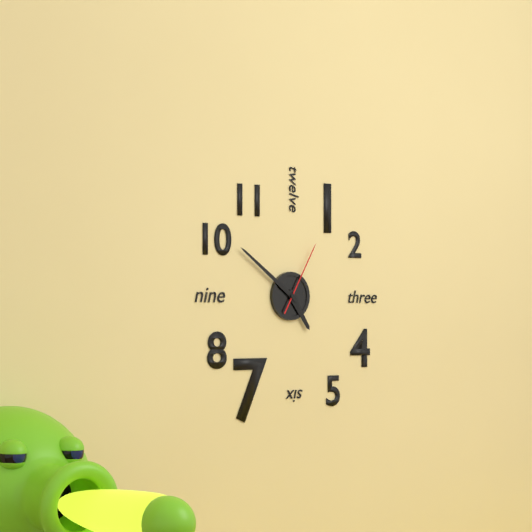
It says 4:51:05
